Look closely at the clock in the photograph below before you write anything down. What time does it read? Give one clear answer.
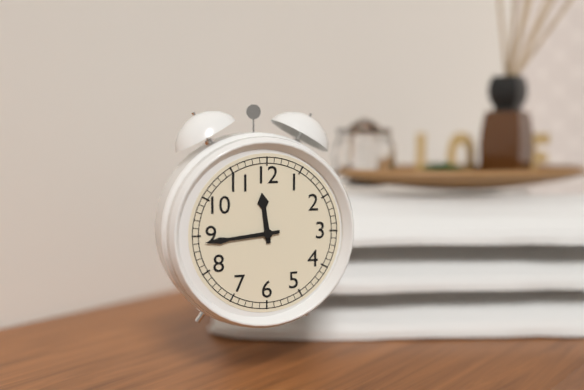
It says 11:44
